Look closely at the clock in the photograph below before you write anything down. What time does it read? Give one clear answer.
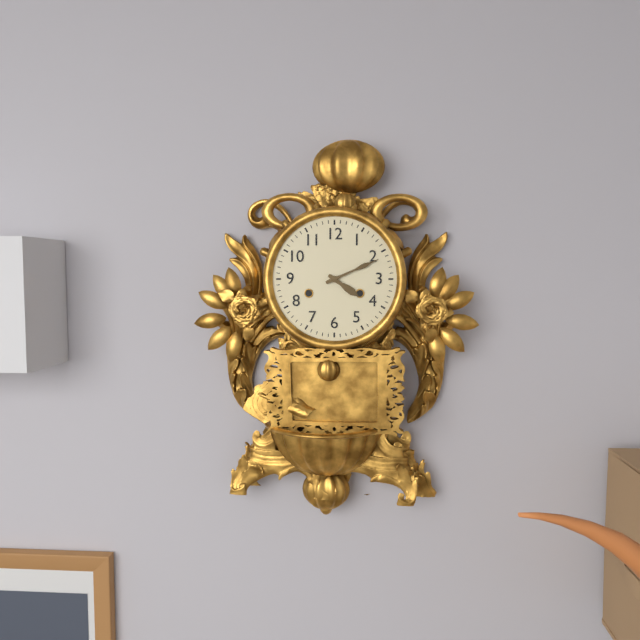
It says 4:11
